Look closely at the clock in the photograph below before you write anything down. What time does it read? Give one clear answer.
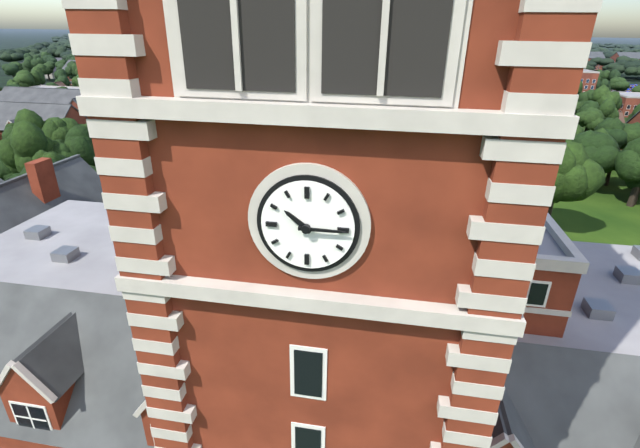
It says 10:15
